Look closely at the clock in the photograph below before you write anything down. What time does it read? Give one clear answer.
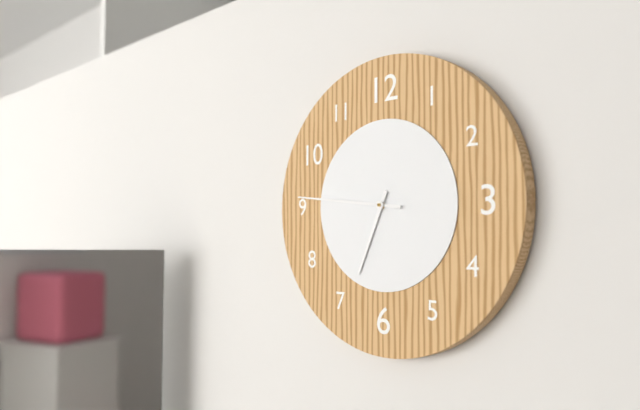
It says 6:46
